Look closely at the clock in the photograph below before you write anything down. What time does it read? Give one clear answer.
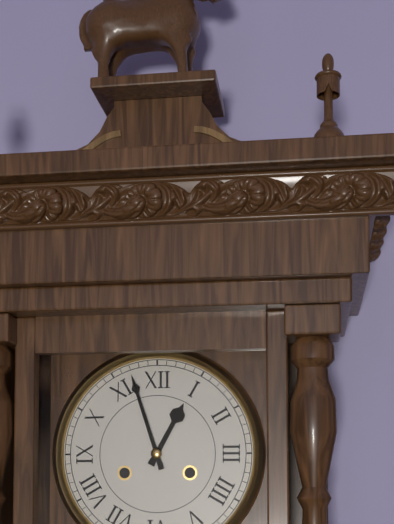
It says 12:57
